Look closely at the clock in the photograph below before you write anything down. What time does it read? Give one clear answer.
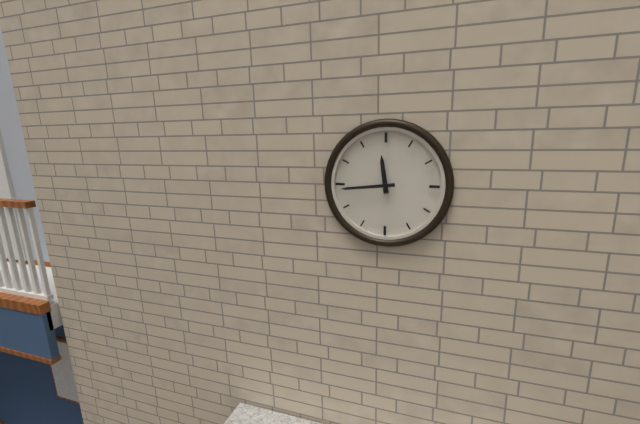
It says 11:44
